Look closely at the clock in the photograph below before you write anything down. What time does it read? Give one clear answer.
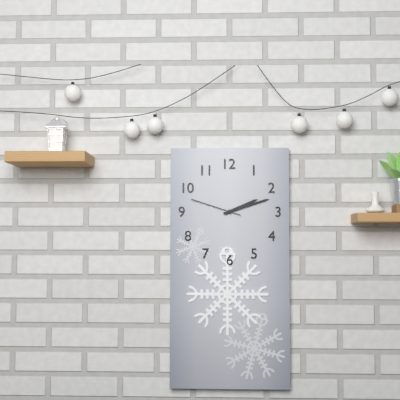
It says 2:12:48
